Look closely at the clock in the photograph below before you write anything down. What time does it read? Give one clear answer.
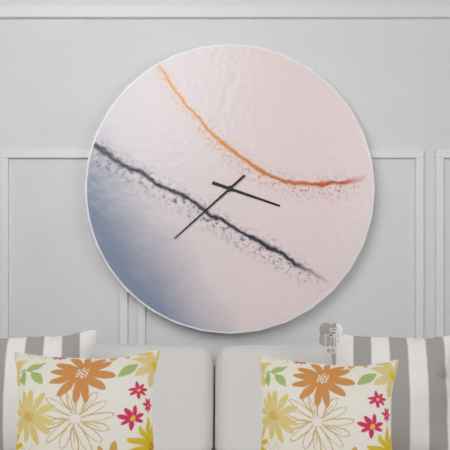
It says 3:38
